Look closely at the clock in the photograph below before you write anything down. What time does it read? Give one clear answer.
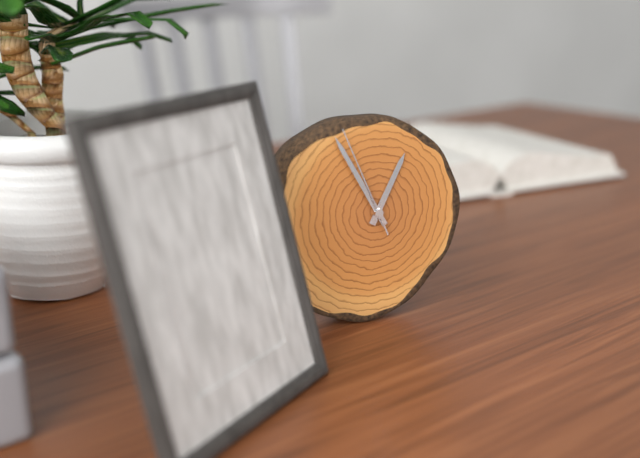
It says 12:55:56
